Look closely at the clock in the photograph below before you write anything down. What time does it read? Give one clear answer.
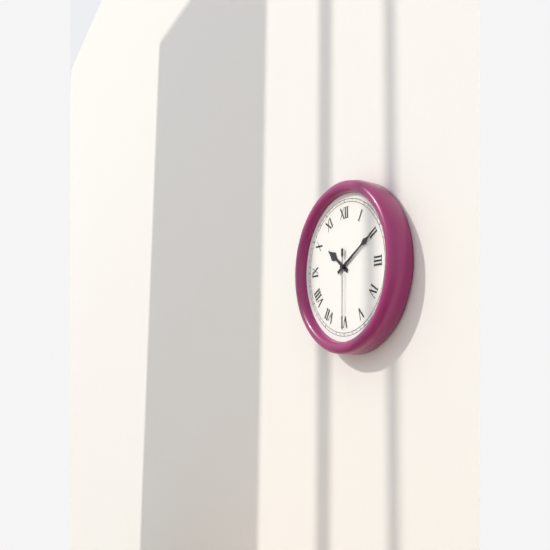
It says 10:10:30
